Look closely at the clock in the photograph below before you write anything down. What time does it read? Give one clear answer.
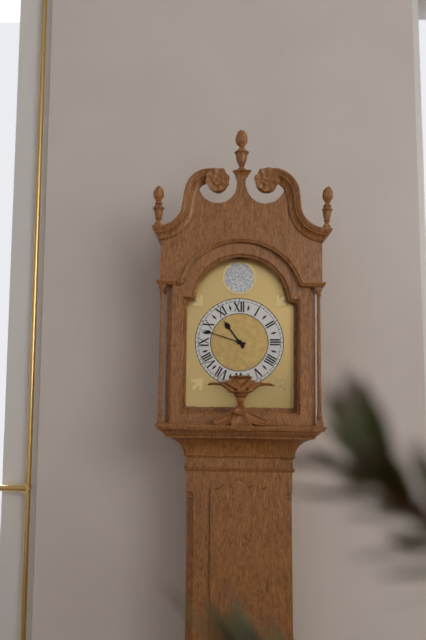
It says 10:48
